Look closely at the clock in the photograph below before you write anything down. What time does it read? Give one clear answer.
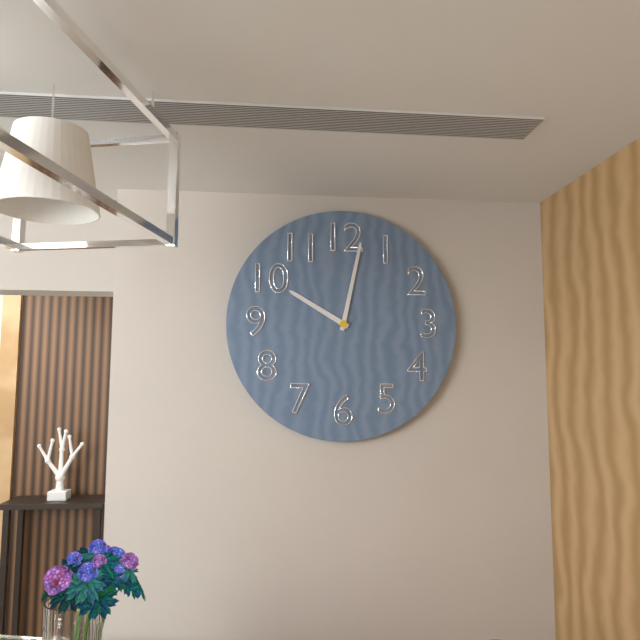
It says 10:02
